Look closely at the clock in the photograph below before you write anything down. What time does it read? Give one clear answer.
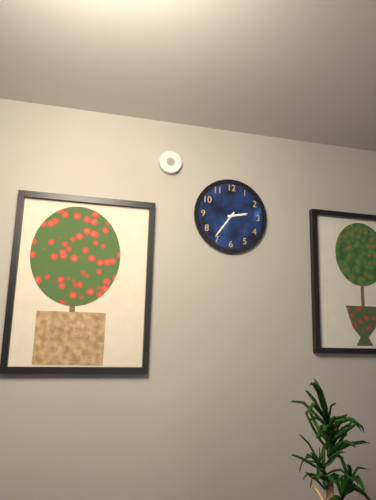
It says 2:36
